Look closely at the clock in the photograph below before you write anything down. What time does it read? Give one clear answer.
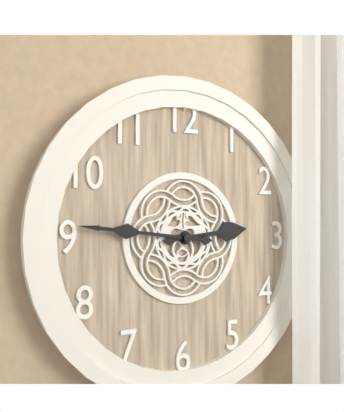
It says 2:46
